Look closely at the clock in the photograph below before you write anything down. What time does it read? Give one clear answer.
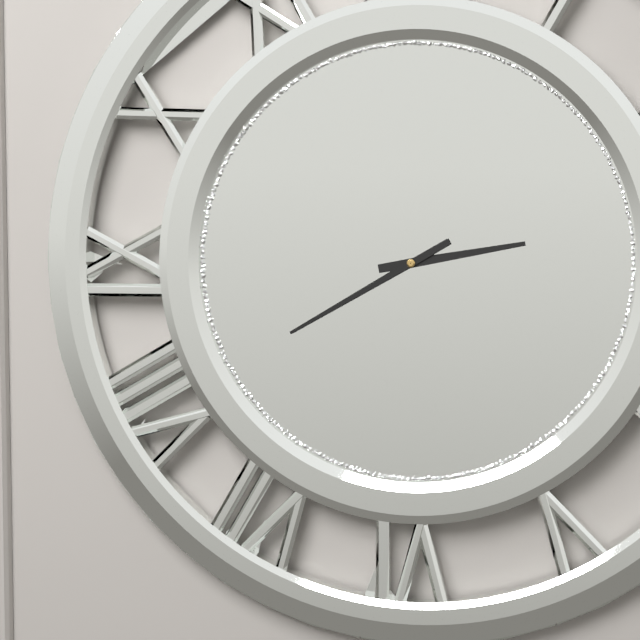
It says 2:40
